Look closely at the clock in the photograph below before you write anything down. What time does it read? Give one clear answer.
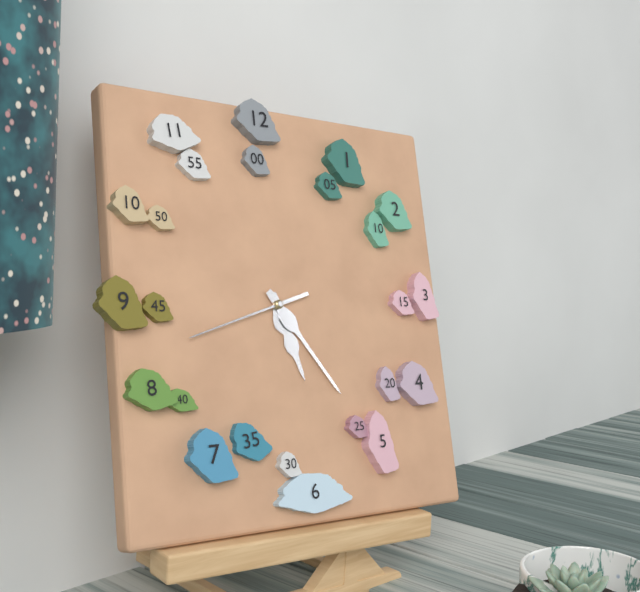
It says 5:24:42
